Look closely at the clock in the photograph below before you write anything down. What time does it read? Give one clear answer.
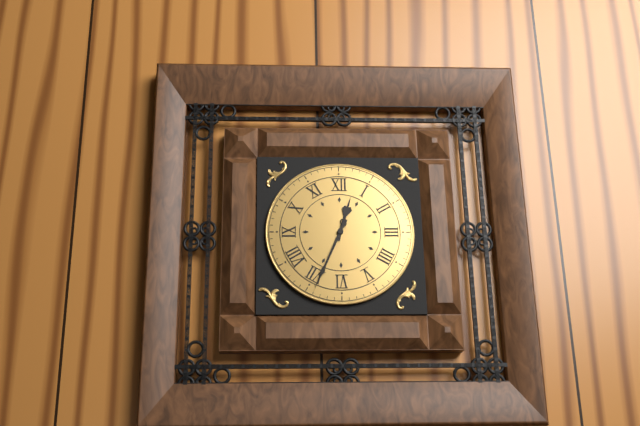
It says 12:34
